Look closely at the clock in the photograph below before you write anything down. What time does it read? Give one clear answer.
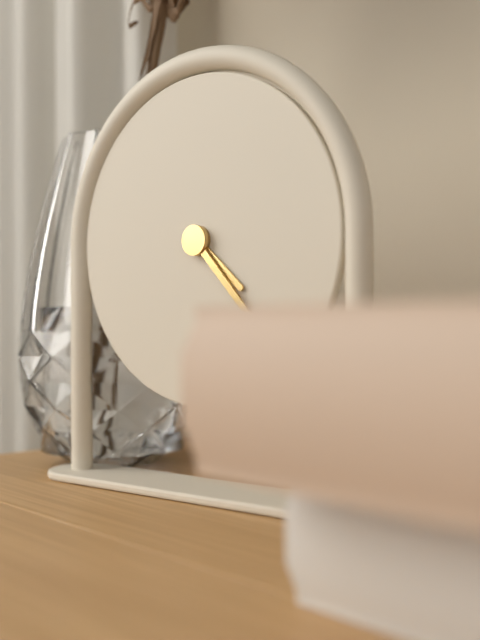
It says 4:23
